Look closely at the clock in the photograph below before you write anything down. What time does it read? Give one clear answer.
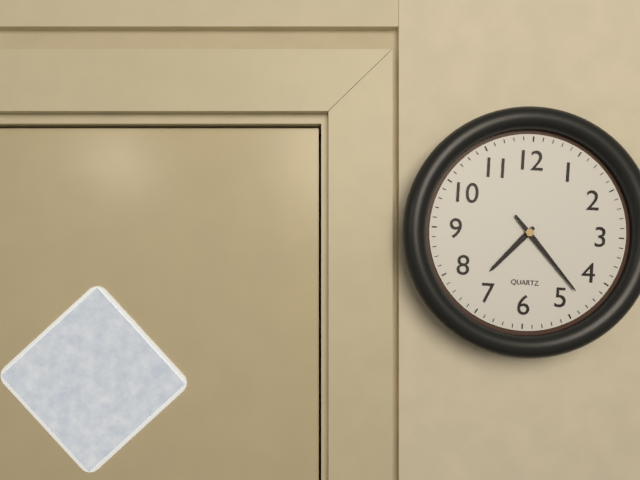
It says 7:23
